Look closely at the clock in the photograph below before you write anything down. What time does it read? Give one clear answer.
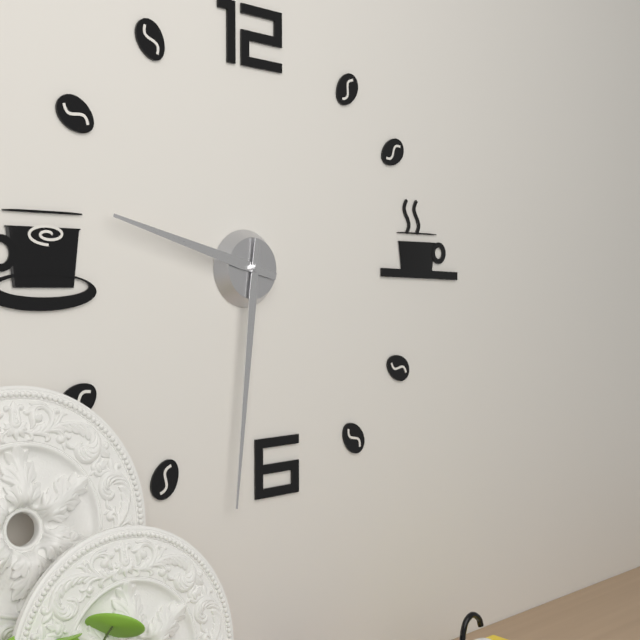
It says 9:31
